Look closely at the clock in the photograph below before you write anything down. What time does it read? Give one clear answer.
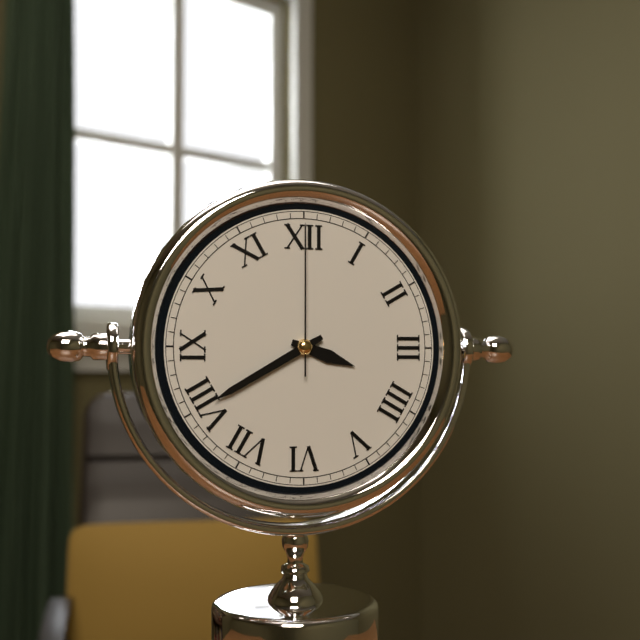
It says 3:40:00
